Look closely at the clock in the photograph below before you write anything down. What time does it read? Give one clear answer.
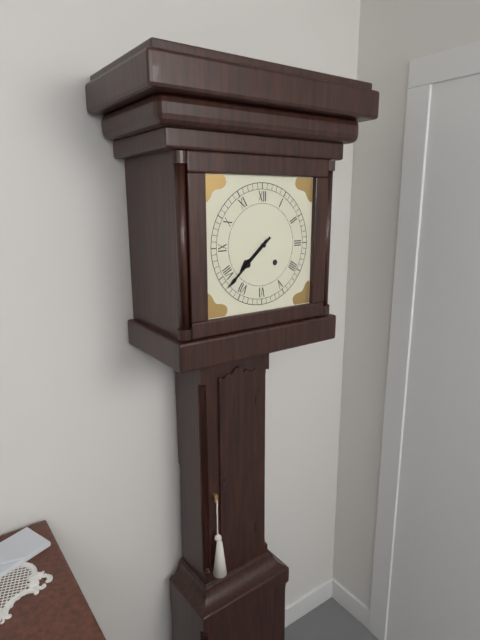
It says 7:38
